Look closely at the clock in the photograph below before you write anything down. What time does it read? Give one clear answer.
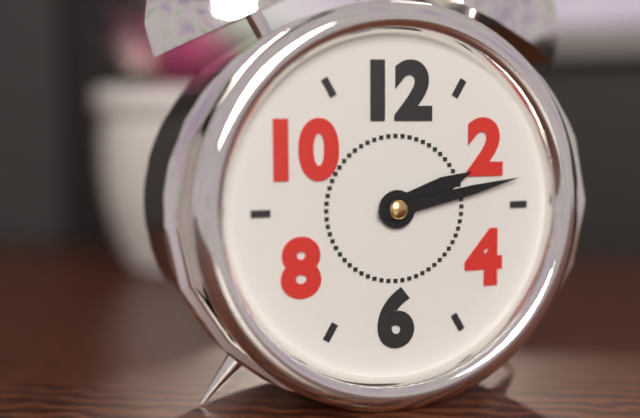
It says 2:13
